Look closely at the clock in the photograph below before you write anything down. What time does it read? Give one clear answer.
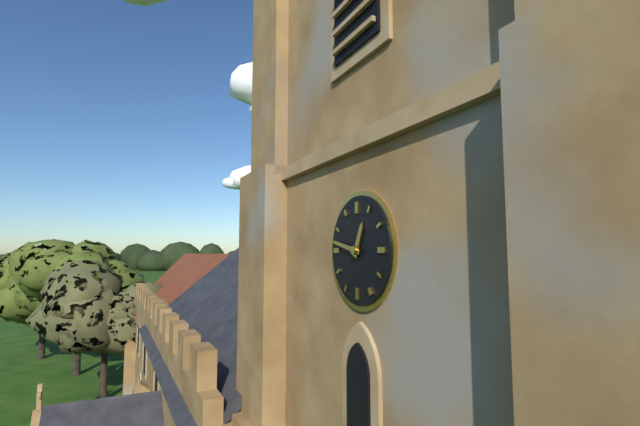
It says 12:47
